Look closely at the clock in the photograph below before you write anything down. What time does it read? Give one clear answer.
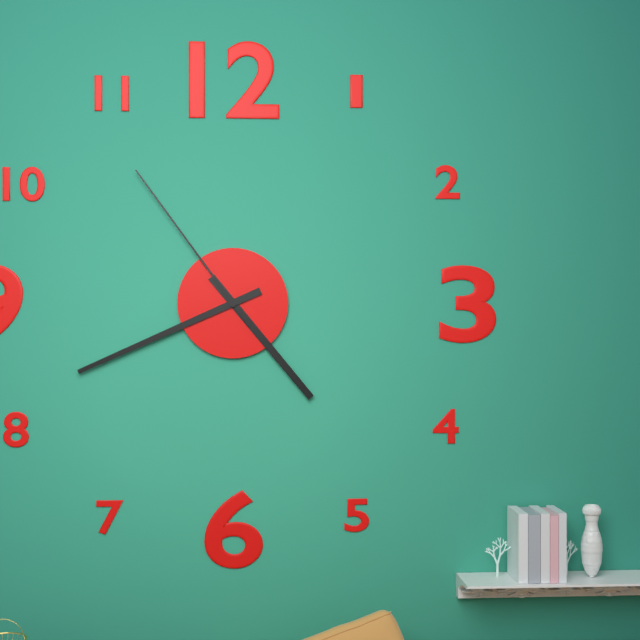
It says 4:41:54
